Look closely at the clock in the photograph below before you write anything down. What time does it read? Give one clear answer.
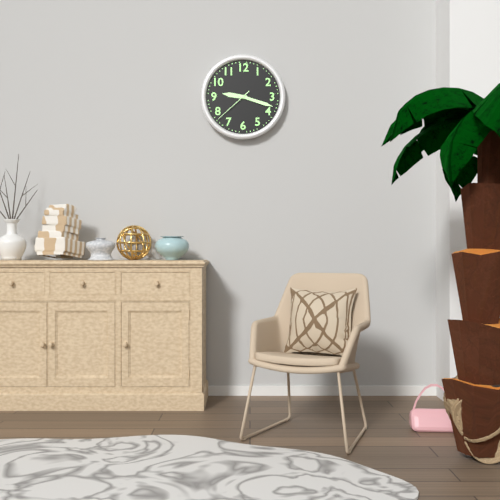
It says 9:18
